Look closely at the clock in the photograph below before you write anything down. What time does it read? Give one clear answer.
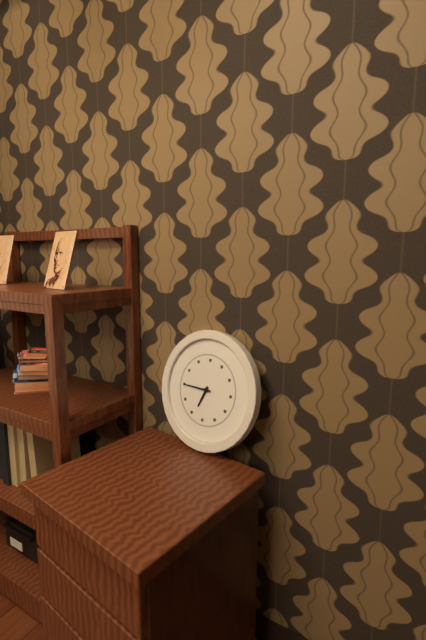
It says 6:45
